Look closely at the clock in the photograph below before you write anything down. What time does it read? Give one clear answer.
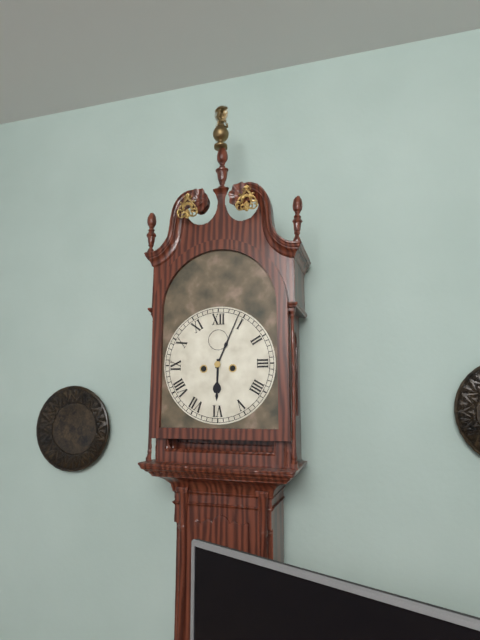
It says 6:04
